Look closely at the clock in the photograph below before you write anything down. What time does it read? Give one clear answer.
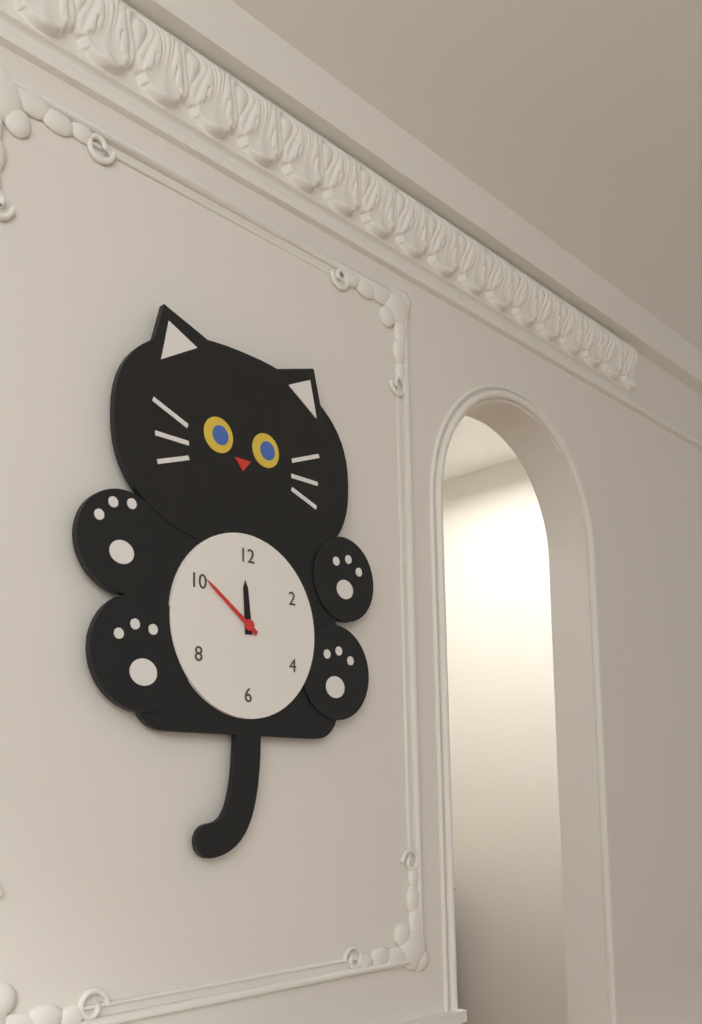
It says 11:51
